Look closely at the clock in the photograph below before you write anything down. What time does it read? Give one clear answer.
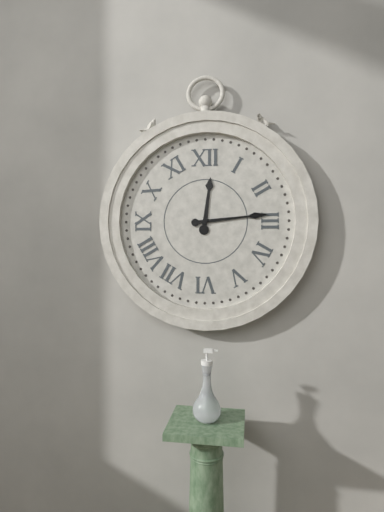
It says 12:14
